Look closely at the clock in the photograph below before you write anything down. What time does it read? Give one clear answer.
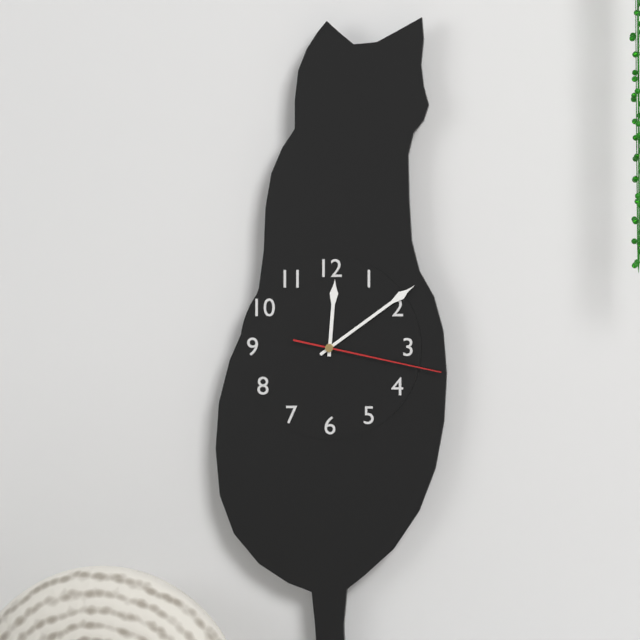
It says 12:09:17
